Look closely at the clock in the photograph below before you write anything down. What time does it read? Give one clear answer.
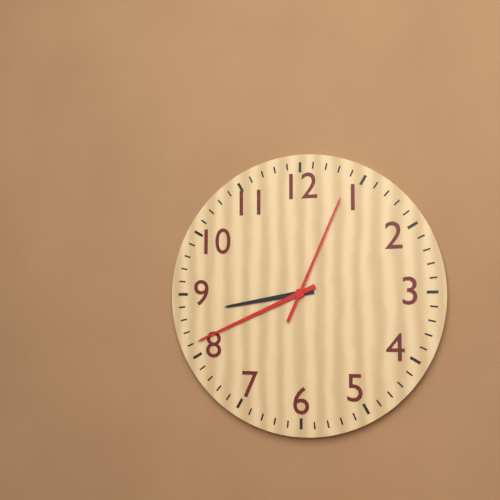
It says 8:41:04
